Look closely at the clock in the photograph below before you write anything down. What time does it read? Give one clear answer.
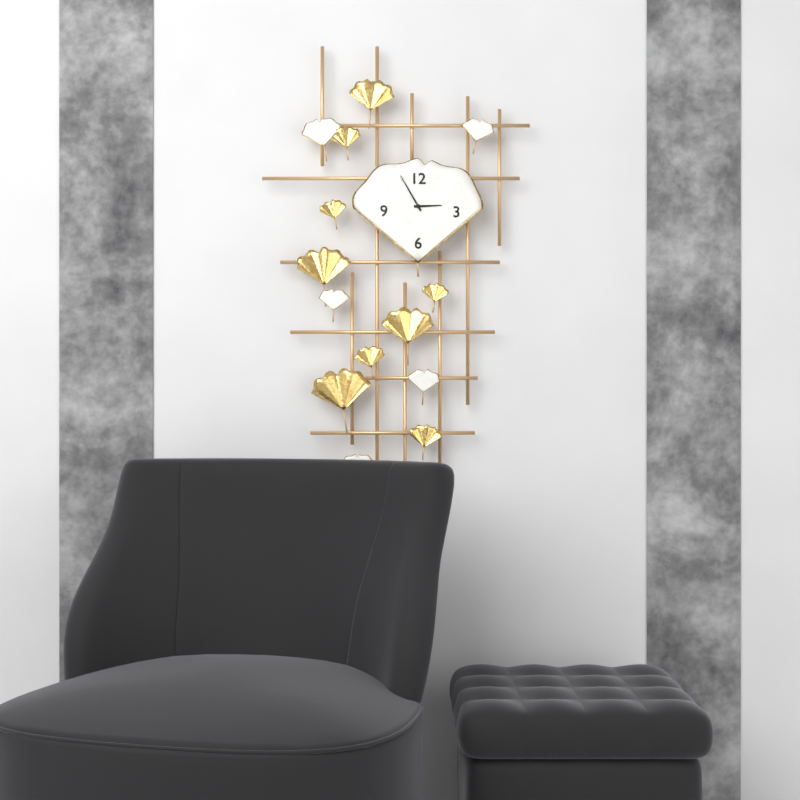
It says 2:55
